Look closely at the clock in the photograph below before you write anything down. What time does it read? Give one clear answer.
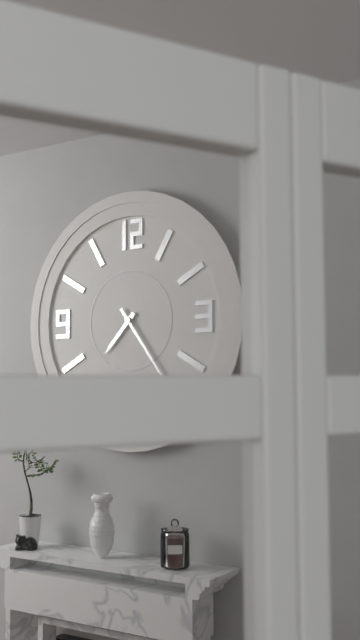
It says 7:24
